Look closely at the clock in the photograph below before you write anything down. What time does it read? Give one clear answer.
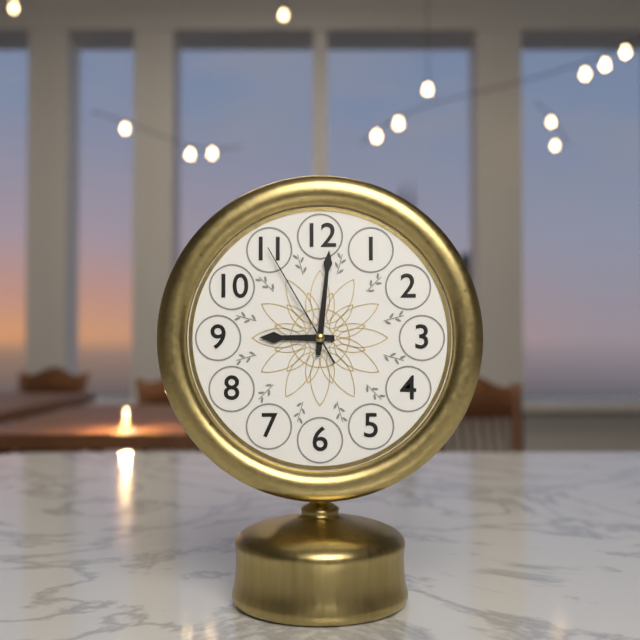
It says 9:01:55
